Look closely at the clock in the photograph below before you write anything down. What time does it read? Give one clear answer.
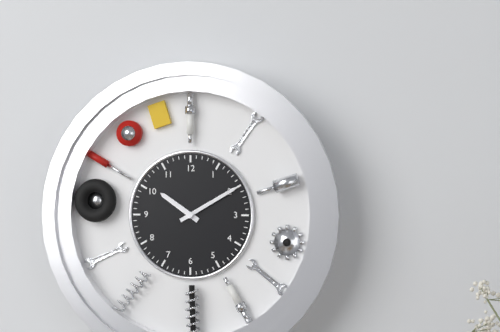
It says 10:10
